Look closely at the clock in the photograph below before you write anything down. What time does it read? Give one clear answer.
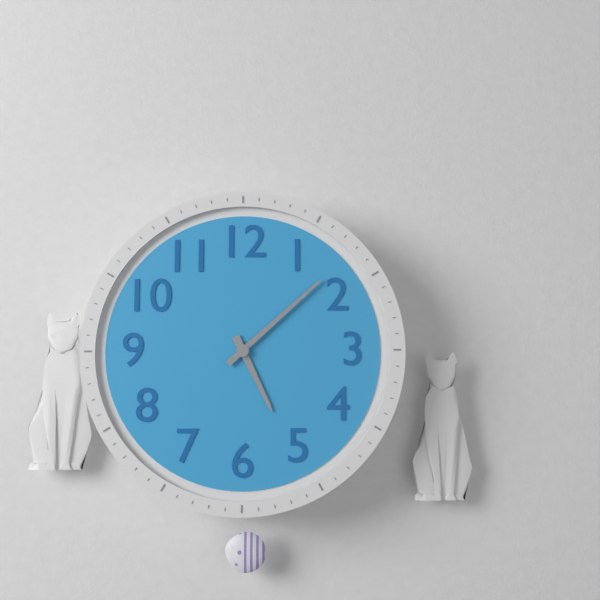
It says 5:08
